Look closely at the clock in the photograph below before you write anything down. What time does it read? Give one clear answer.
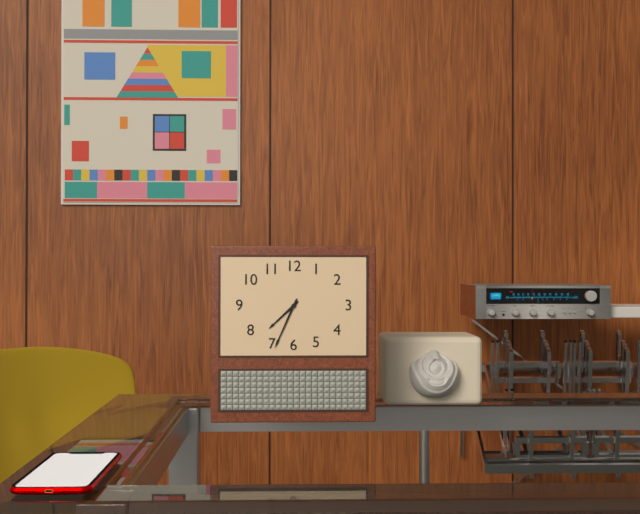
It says 7:34
